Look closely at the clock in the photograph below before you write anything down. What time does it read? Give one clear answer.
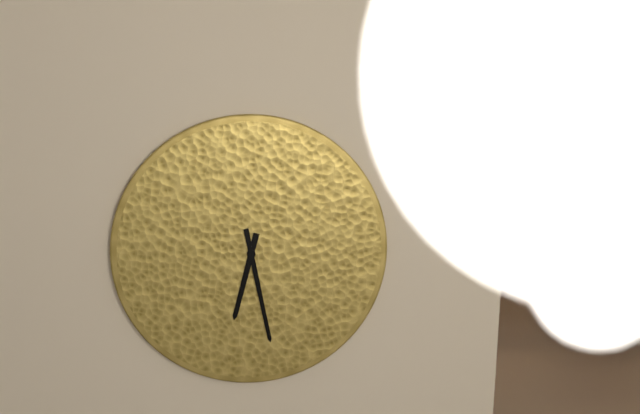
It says 6:28
